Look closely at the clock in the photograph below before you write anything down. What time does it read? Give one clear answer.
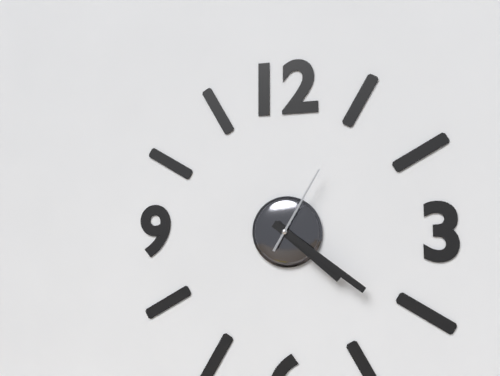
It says 4:21:05
